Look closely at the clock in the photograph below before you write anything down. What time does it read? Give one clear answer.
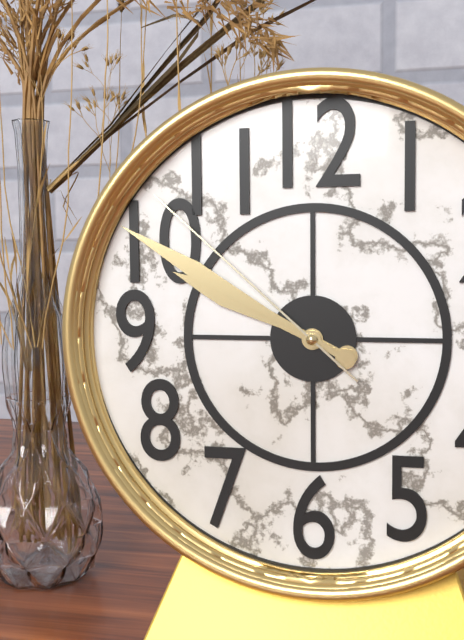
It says 9:50:52
